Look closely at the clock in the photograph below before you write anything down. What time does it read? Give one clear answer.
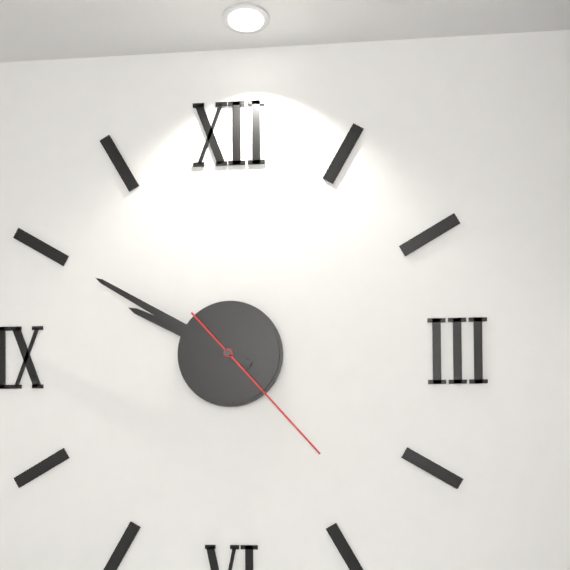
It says 9:50:23
